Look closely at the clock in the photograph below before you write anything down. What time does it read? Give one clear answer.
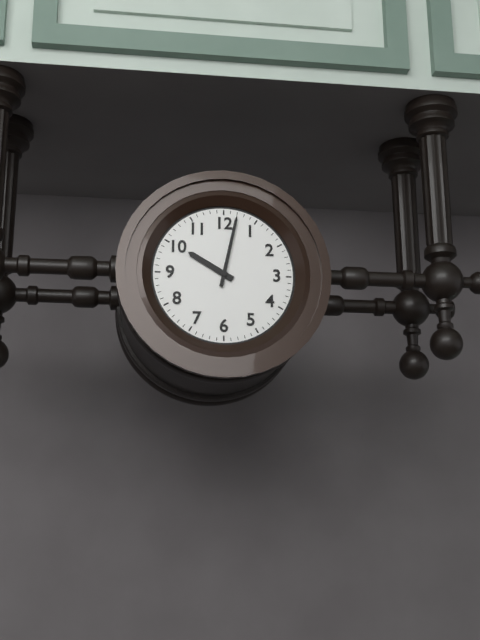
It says 10:02
